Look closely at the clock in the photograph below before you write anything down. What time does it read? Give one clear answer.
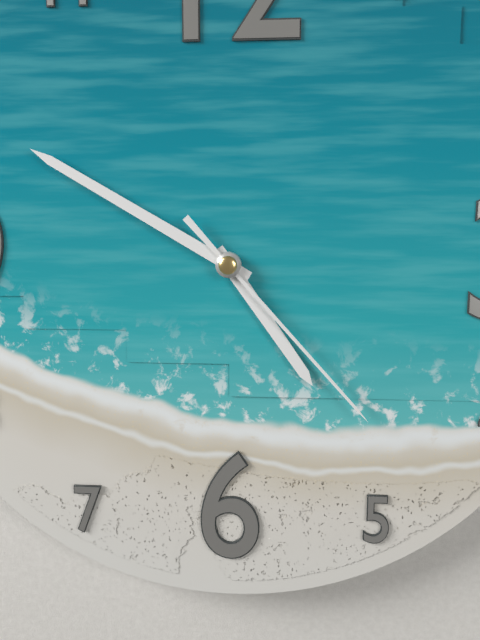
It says 4:50:23
